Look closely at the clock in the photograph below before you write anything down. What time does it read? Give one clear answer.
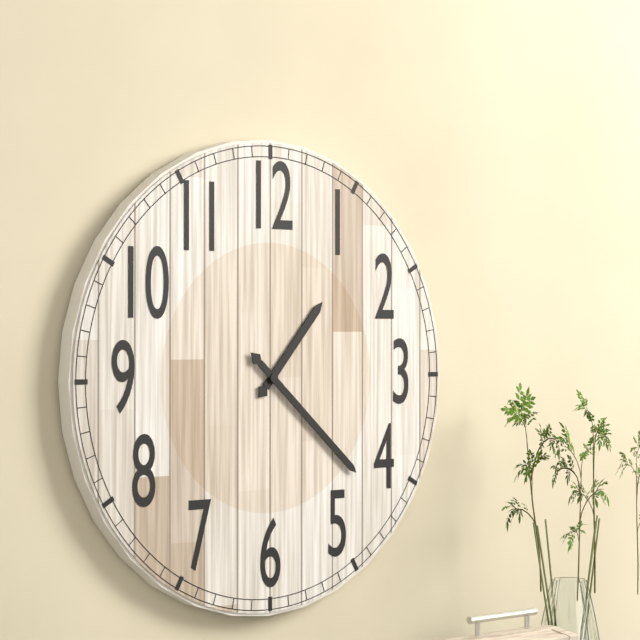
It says 1:22
